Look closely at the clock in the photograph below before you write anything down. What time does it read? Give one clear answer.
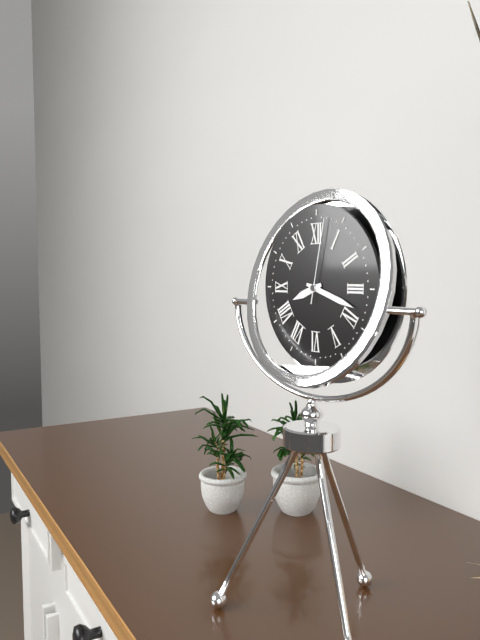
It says 8:18:02
